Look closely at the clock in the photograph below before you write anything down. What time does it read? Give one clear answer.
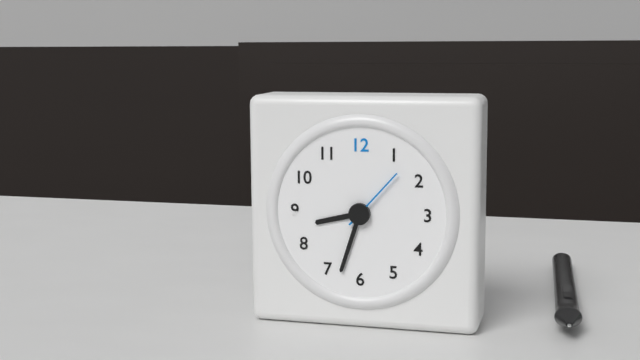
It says 8:33:07
